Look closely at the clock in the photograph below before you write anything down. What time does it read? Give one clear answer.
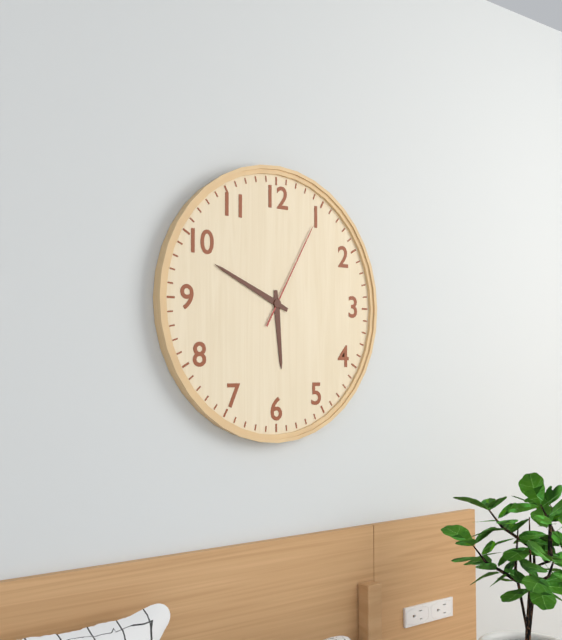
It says 5:49:05
